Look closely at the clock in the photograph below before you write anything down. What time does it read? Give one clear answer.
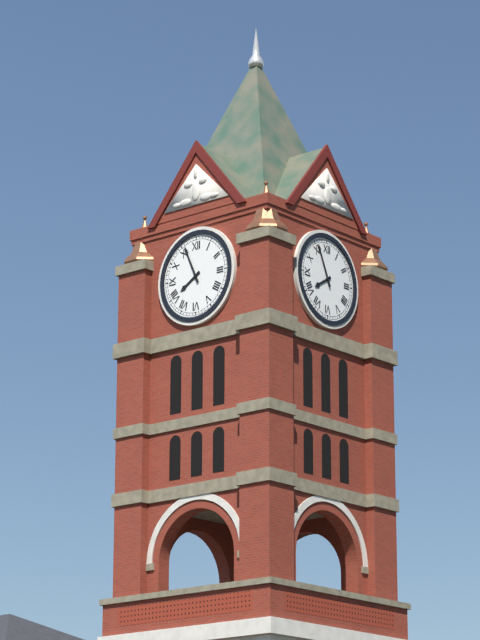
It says 7:56
